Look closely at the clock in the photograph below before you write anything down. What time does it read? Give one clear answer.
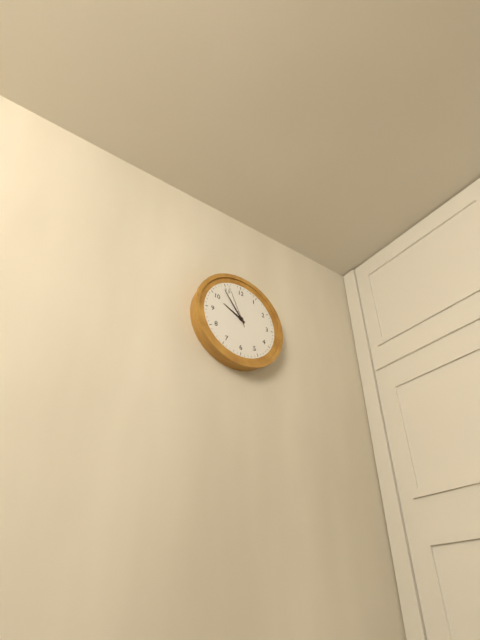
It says 9:54
